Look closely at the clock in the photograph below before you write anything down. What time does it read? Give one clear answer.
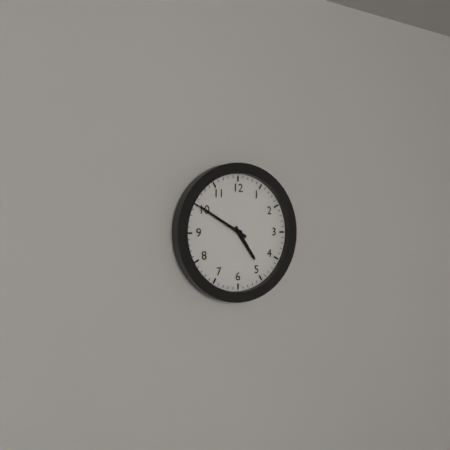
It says 4:50
